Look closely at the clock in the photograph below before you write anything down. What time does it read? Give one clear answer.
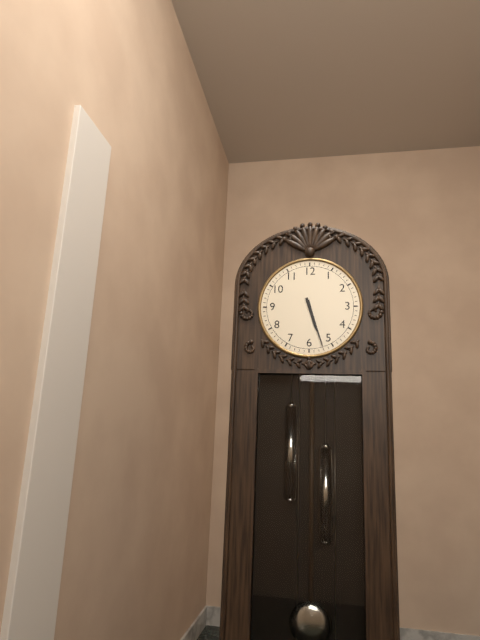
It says 5:27
